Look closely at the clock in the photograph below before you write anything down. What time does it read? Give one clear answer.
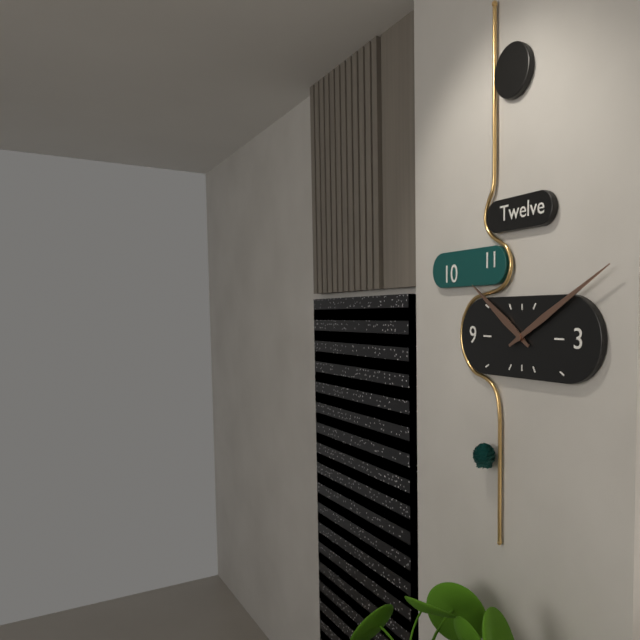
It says 10:10
